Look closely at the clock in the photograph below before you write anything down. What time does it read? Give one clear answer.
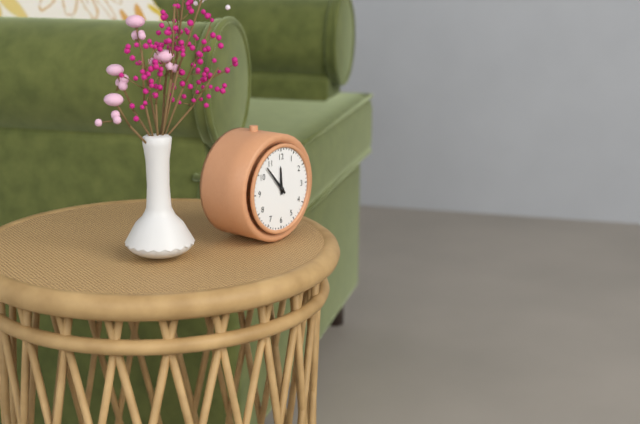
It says 11:53
